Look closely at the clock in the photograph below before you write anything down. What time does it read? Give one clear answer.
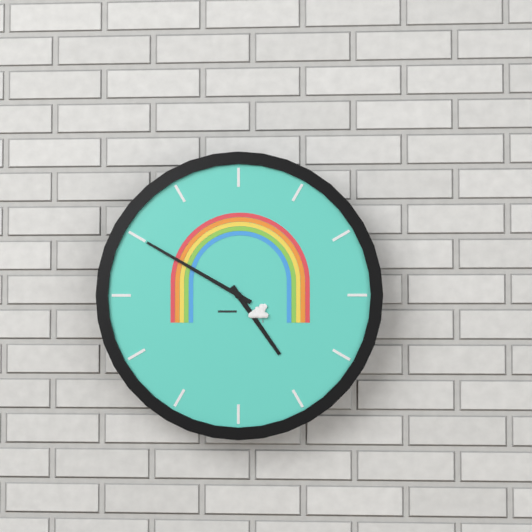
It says 4:50
